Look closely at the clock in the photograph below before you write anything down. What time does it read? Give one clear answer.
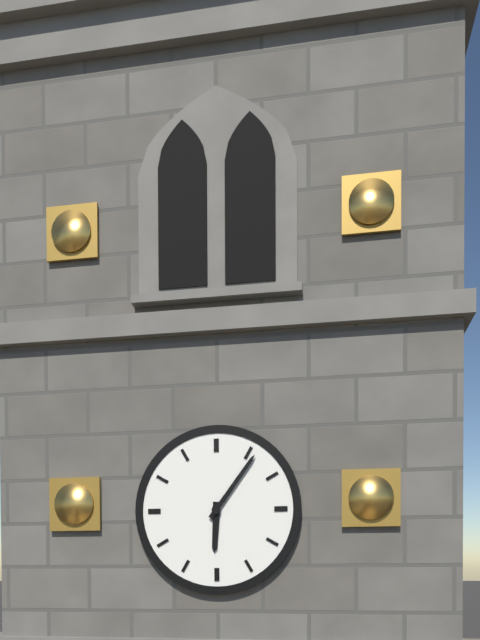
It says 6:06
